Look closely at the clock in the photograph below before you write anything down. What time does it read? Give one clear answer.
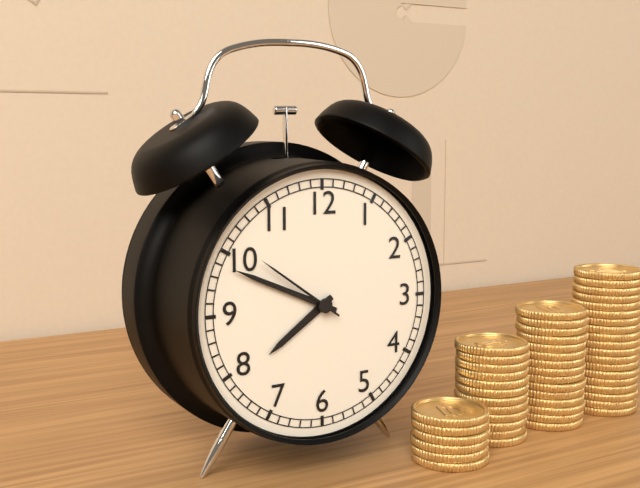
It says 7:49:51
